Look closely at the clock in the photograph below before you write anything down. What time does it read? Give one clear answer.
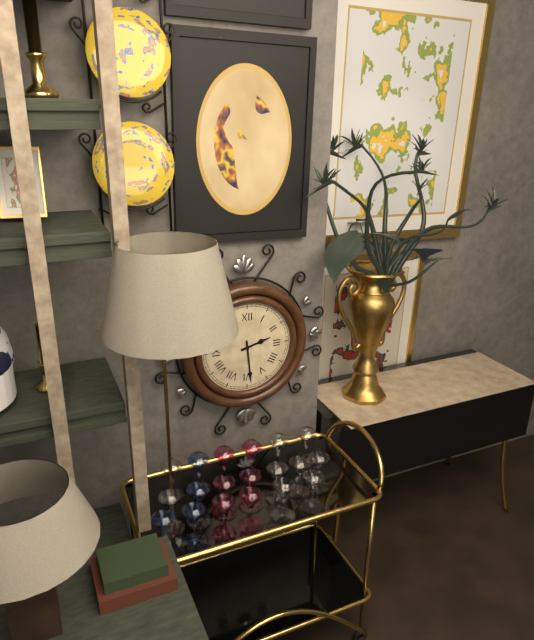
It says 2:29
